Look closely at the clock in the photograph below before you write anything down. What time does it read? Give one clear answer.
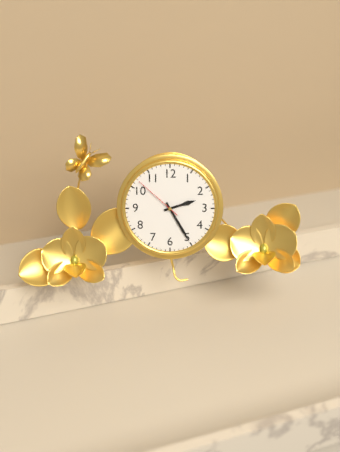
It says 2:25:52
